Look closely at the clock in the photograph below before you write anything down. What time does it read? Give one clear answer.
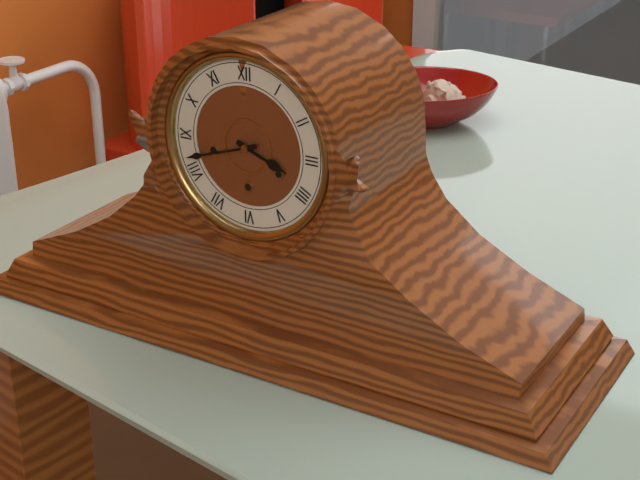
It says 3:42
